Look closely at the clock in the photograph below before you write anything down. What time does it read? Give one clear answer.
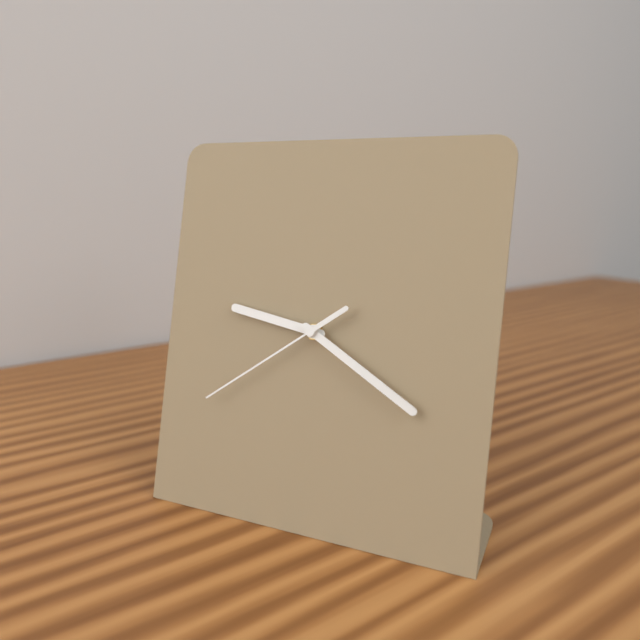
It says 9:20:39
